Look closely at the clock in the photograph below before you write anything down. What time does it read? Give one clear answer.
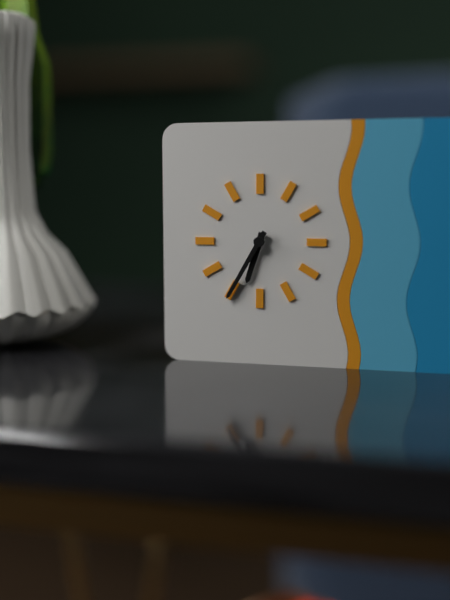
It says 6:35
